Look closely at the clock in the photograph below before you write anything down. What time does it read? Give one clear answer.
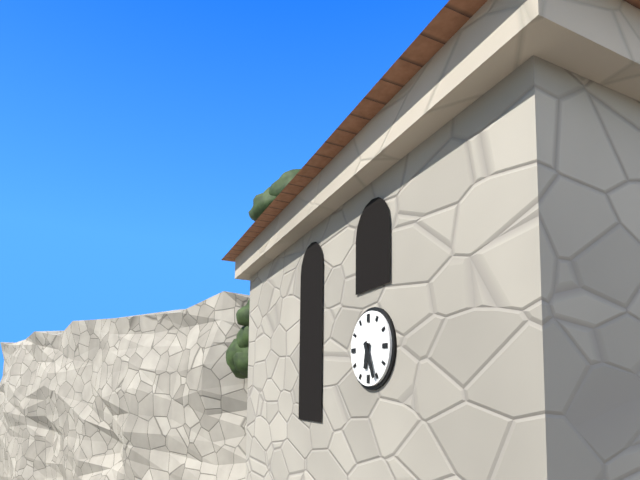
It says 6:26
